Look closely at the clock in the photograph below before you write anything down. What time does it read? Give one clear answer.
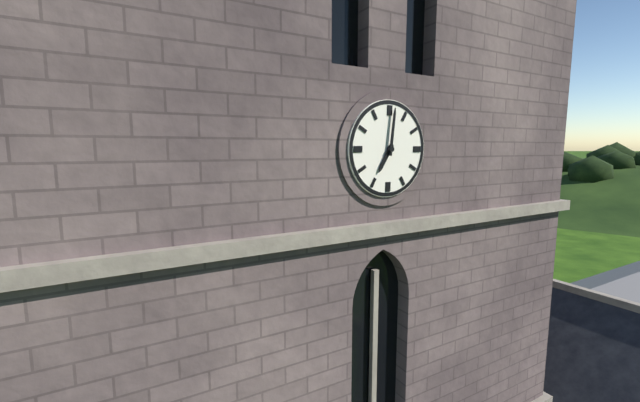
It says 7:01
